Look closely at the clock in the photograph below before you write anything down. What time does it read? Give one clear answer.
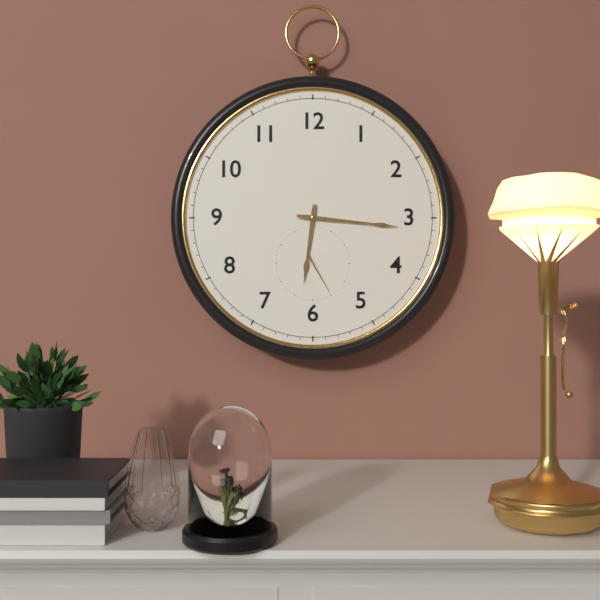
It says 6:16
